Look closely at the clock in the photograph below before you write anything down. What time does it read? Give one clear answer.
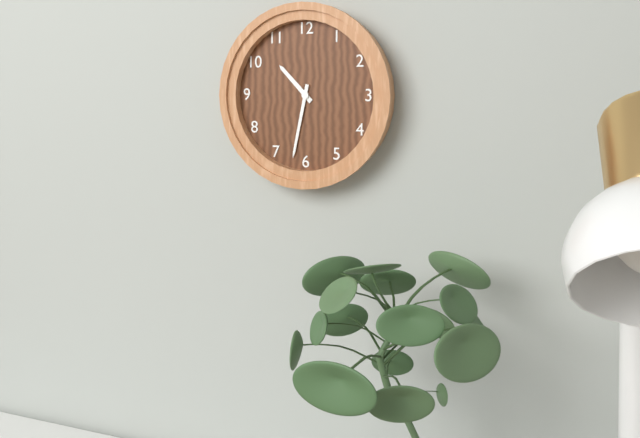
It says 10:32
